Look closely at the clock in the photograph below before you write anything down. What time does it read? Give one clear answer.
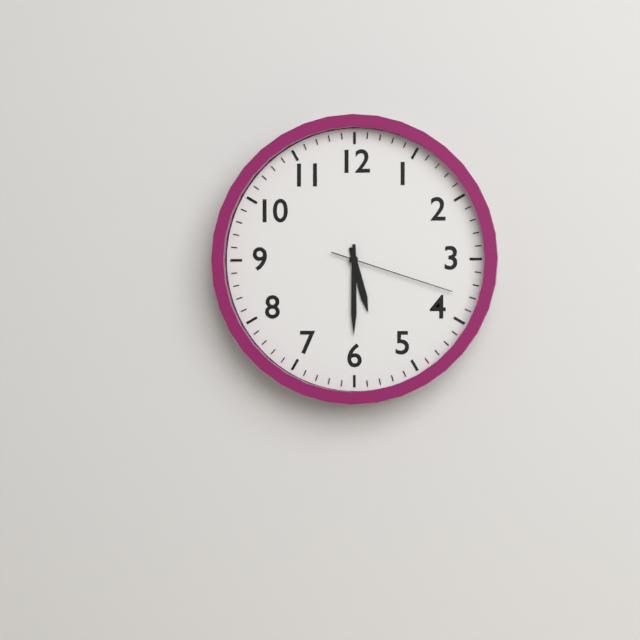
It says 5:30:18
